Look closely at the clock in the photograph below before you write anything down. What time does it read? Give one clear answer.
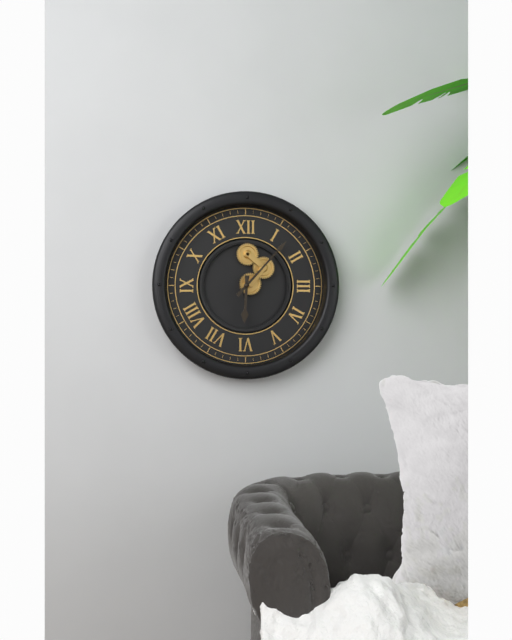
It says 6:07
